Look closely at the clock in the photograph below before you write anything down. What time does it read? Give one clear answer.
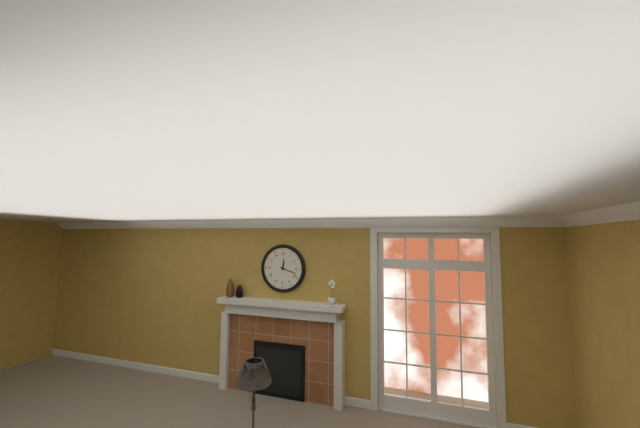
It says 12:18
